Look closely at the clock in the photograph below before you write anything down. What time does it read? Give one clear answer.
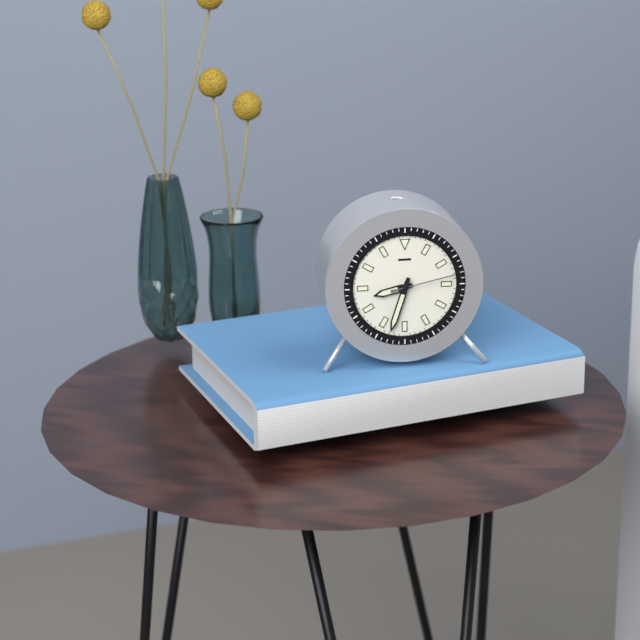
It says 8:33:13
